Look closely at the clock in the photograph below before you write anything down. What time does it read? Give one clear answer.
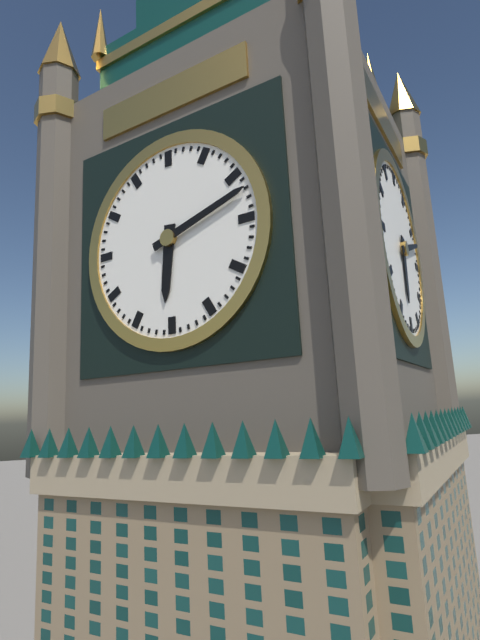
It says 6:12
